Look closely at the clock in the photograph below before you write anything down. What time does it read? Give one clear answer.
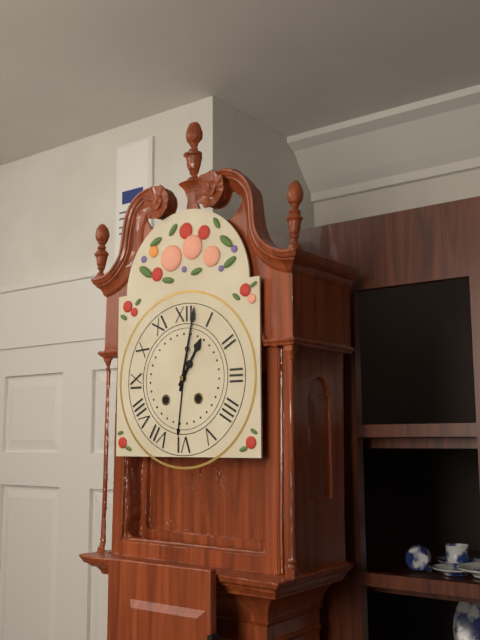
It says 1:02
